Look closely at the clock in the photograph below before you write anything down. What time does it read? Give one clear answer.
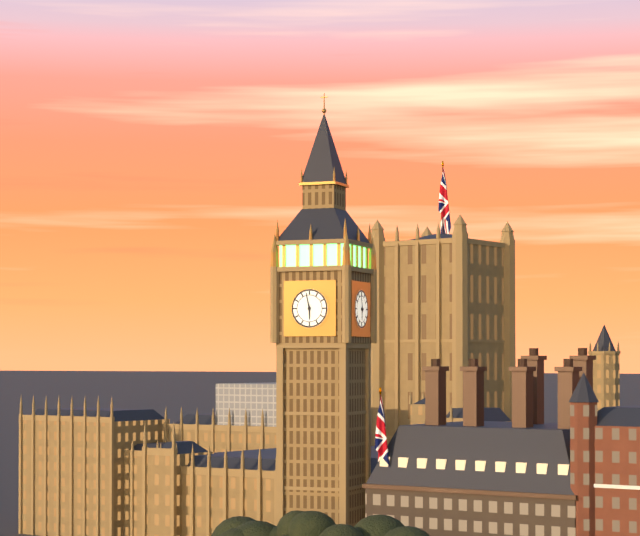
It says 5:58
